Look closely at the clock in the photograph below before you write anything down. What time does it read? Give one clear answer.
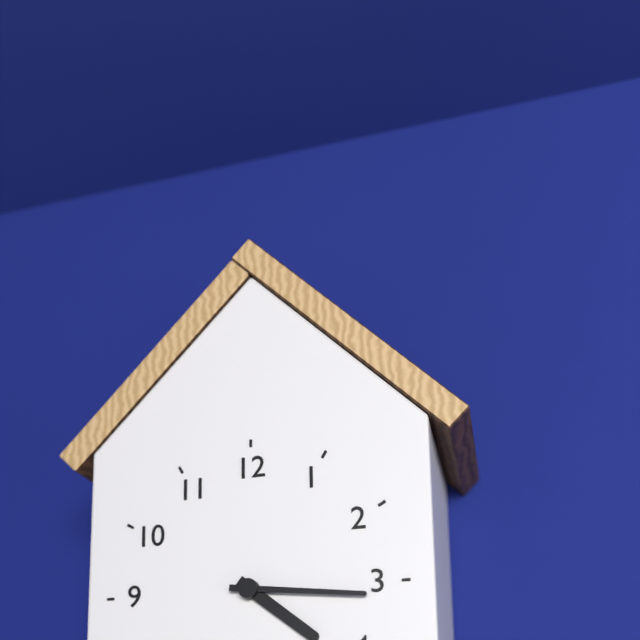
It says 4:16
